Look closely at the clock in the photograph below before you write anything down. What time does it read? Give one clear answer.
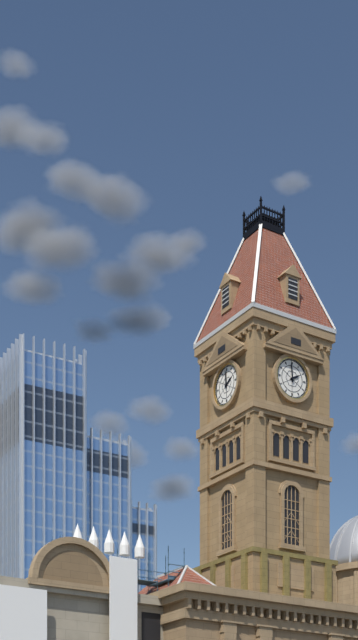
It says 1:59
